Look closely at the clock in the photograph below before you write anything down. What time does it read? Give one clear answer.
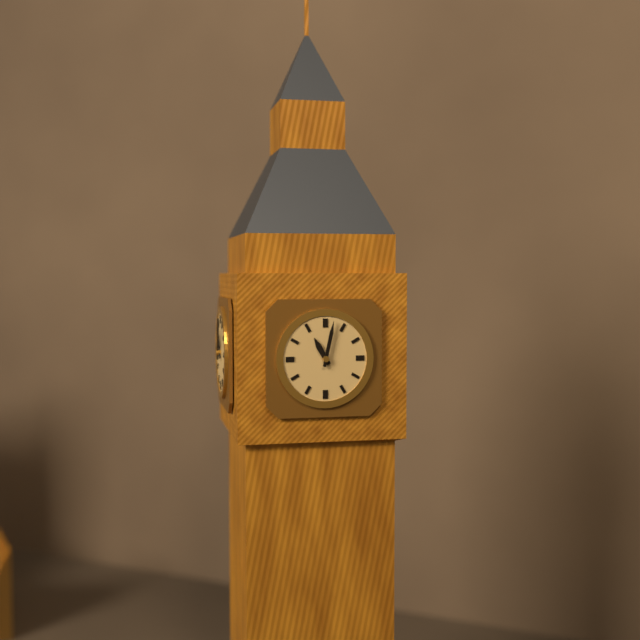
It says 11:02
